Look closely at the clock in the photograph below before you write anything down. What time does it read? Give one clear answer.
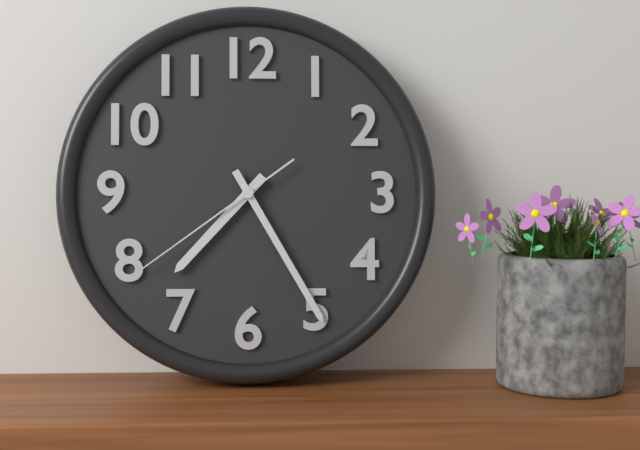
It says 7:25:39
